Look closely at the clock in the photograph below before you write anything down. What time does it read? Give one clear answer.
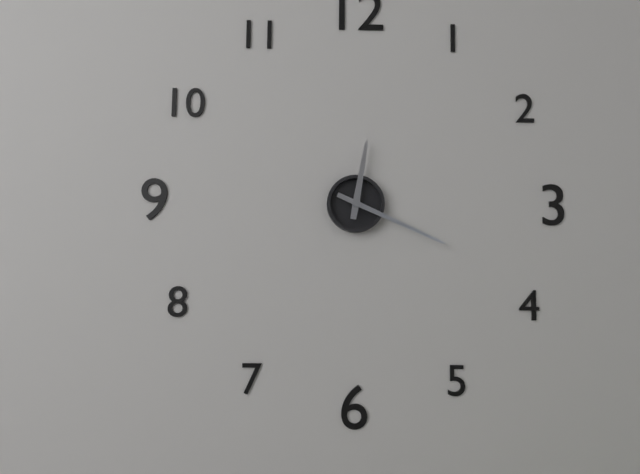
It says 12:19
